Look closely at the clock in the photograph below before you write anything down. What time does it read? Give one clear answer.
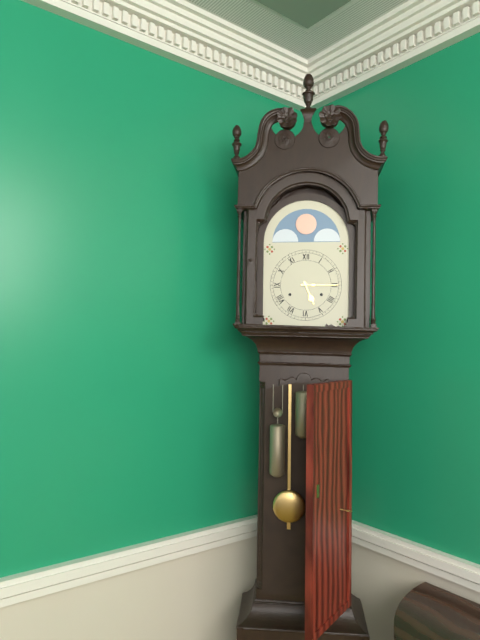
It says 5:15
